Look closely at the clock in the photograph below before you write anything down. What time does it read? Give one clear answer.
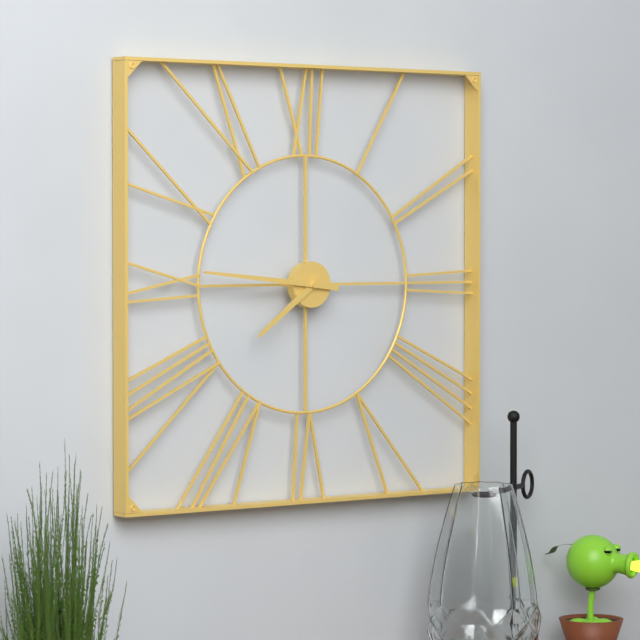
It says 7:46
